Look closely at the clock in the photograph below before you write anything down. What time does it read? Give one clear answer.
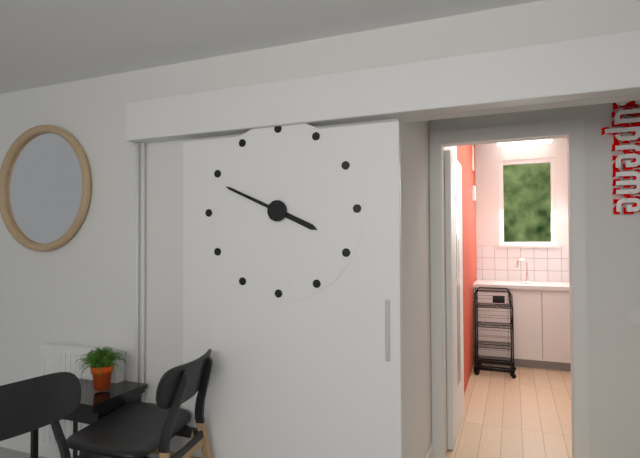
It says 3:49
